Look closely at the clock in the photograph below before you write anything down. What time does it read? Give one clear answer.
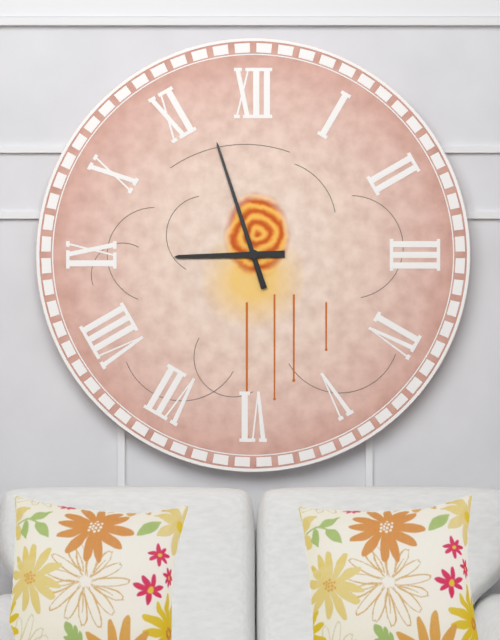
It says 8:57
